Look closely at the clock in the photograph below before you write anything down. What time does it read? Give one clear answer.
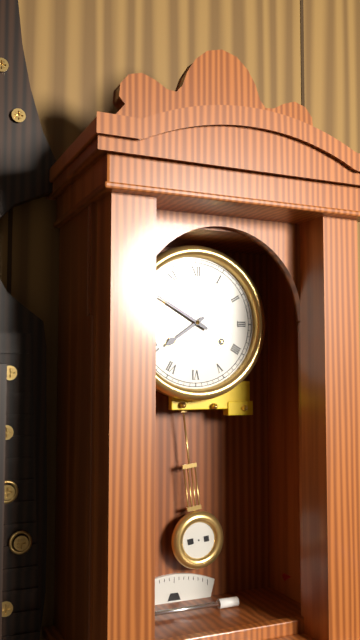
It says 7:50
